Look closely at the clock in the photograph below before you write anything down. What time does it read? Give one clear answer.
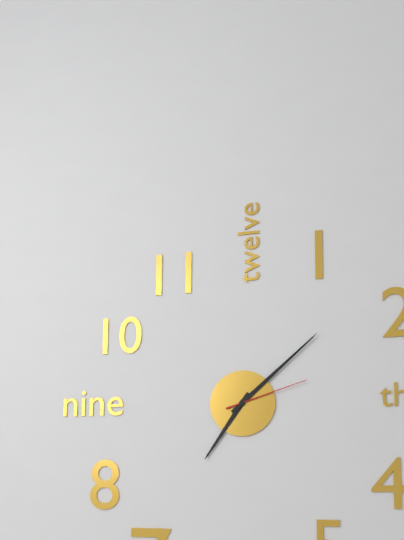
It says 7:08:12
